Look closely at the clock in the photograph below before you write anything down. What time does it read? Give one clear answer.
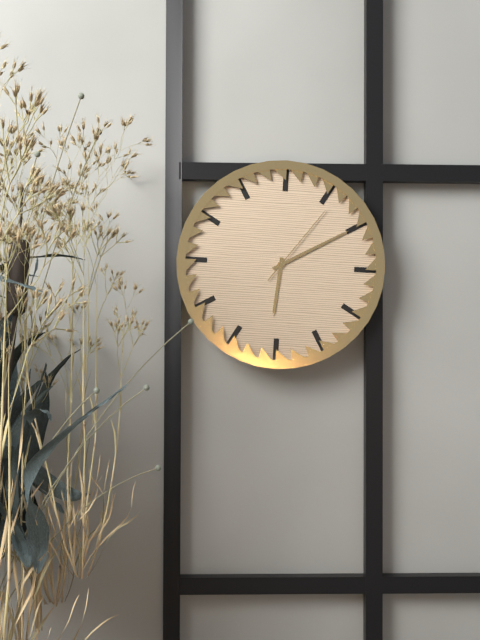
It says 6:10:06
